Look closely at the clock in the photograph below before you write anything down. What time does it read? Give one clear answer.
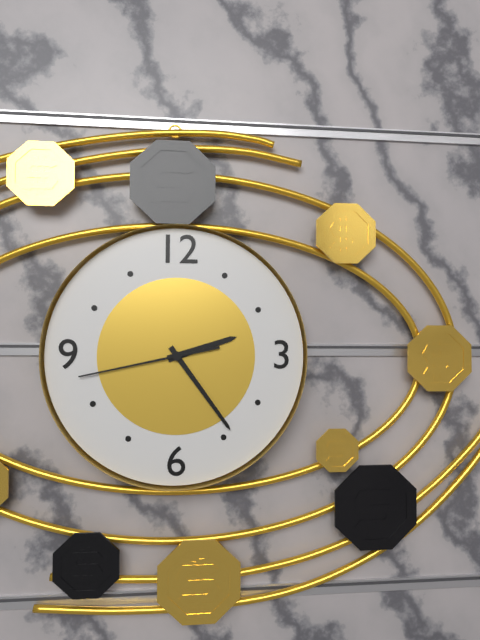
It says 2:24:43
